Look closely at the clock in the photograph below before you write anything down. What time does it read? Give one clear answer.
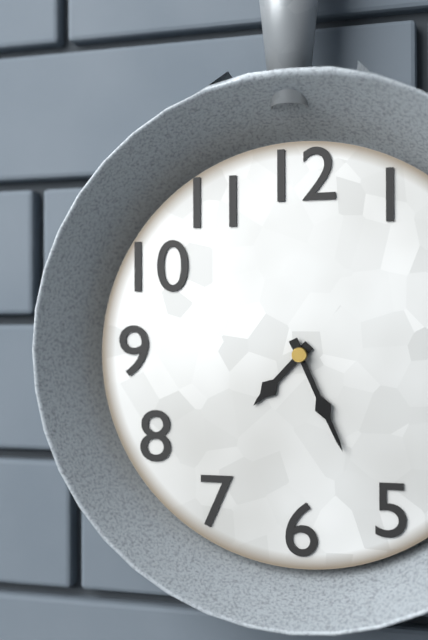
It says 7:26
